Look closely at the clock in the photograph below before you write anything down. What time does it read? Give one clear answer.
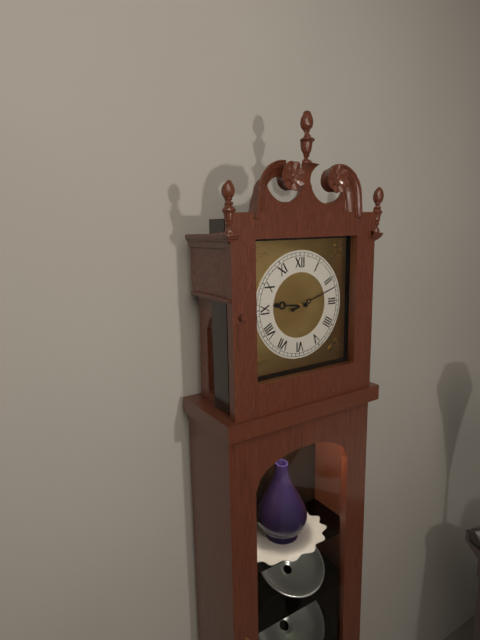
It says 9:12
